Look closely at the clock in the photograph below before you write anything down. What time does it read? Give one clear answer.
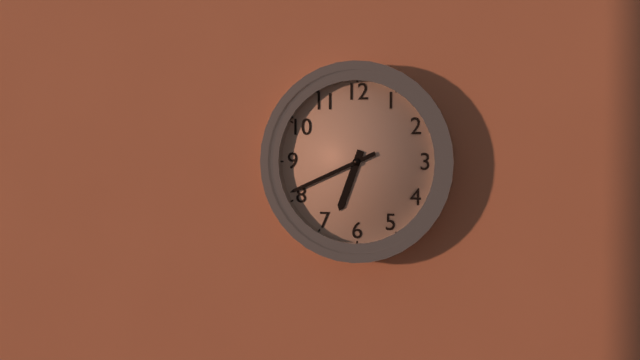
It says 6:41
